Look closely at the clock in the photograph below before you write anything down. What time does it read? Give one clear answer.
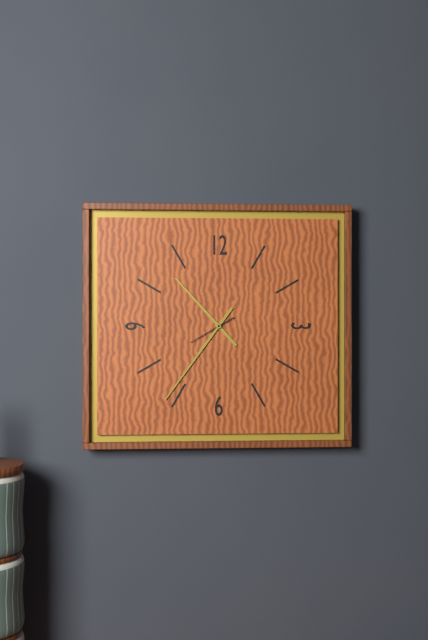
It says 10:36
